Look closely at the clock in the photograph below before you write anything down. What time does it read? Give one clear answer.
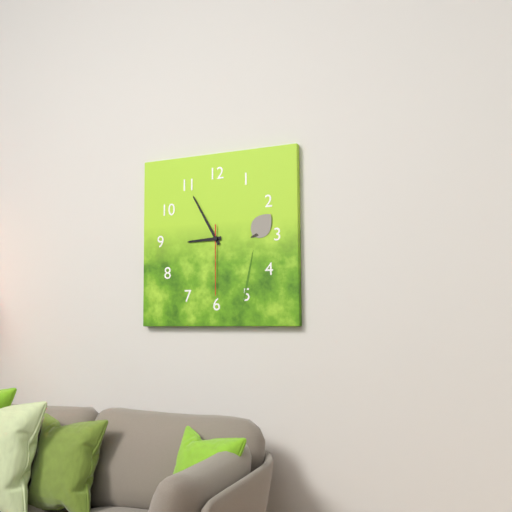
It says 8:55:30
